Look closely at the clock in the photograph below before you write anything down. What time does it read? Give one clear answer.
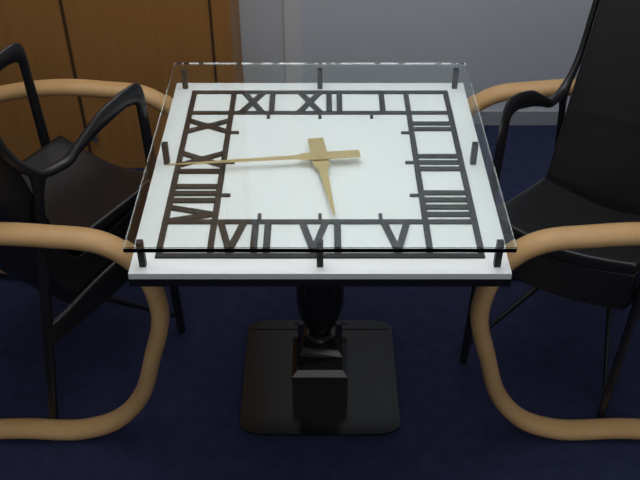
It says 5:44
